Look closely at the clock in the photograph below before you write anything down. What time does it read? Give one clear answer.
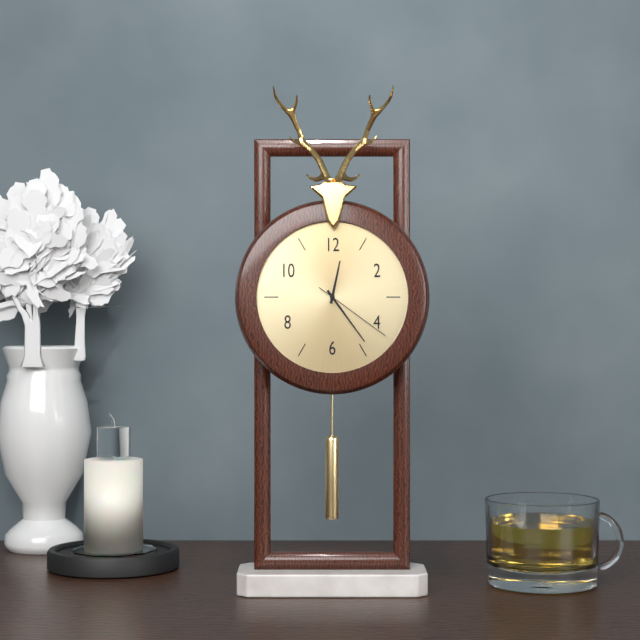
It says 12:24:21
